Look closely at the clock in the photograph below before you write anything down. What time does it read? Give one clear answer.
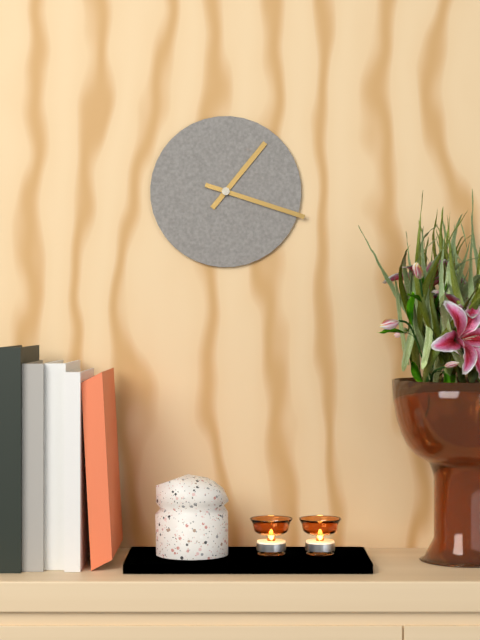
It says 1:18
